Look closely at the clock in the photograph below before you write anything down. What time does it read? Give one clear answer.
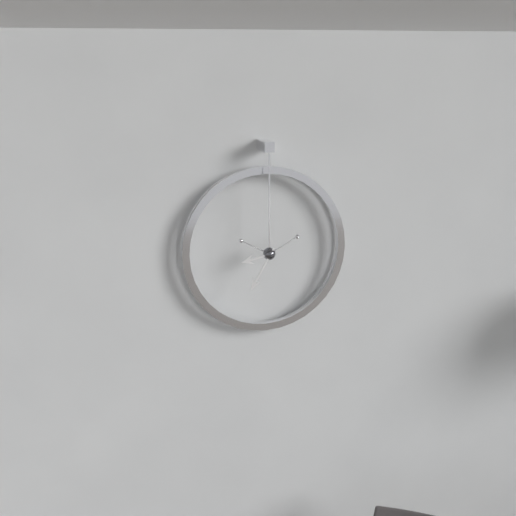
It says 8:35
